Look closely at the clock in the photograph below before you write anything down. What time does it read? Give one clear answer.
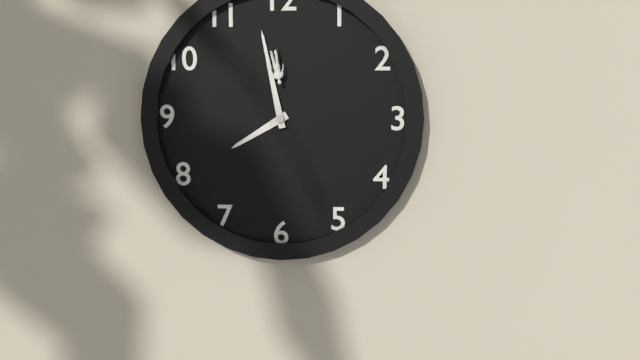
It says 7:58
